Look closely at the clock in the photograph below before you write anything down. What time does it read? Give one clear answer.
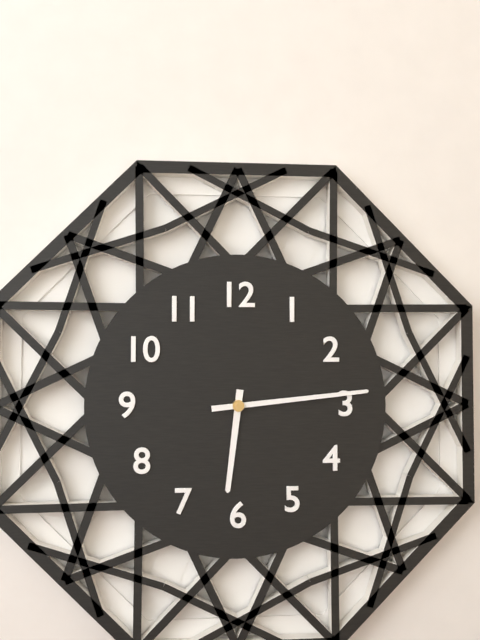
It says 6:14
